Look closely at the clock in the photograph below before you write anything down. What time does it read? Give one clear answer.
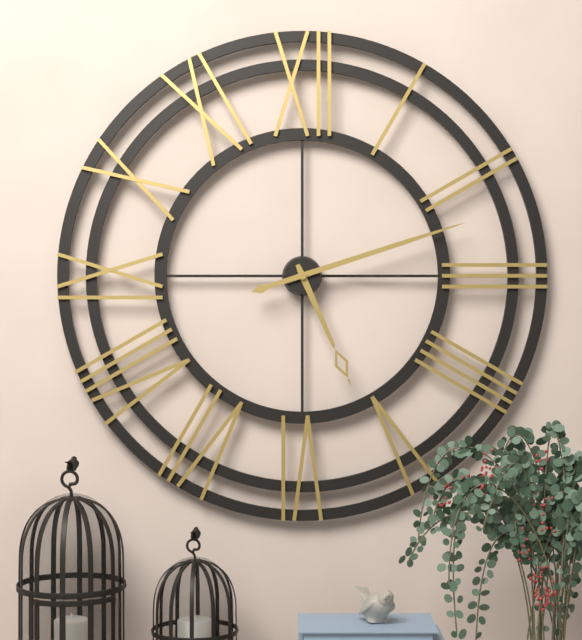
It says 5:12
